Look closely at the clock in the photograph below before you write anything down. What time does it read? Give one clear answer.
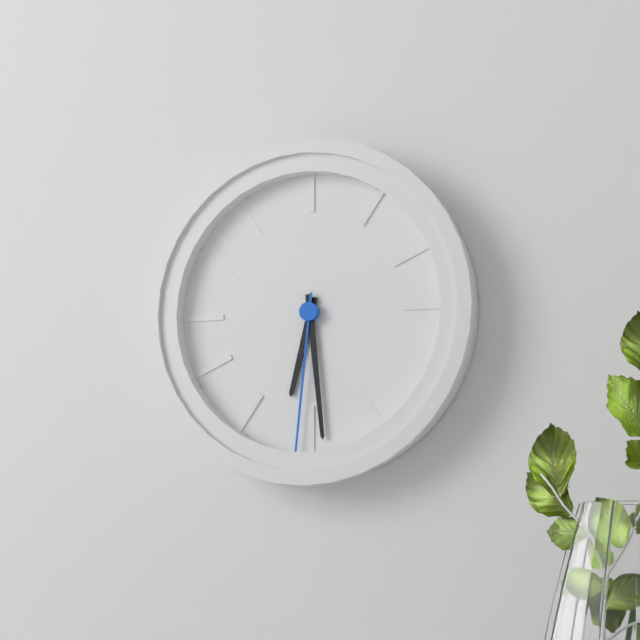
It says 6:29:31
